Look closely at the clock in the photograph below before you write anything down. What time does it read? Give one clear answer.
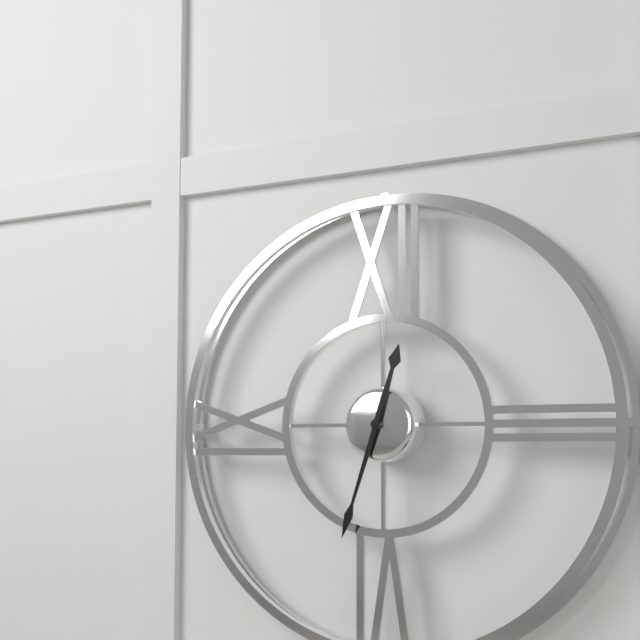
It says 12:33
